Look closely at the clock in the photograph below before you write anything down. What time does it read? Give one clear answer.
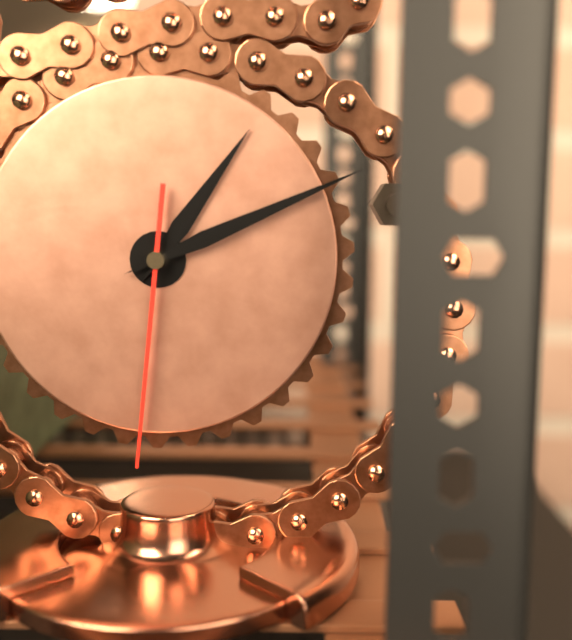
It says 1:11:31
